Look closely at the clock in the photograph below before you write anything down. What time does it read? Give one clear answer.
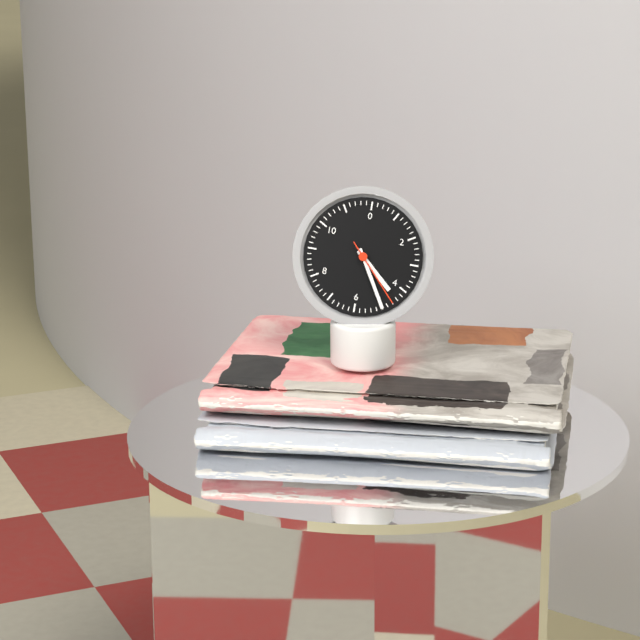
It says 4:25:23
